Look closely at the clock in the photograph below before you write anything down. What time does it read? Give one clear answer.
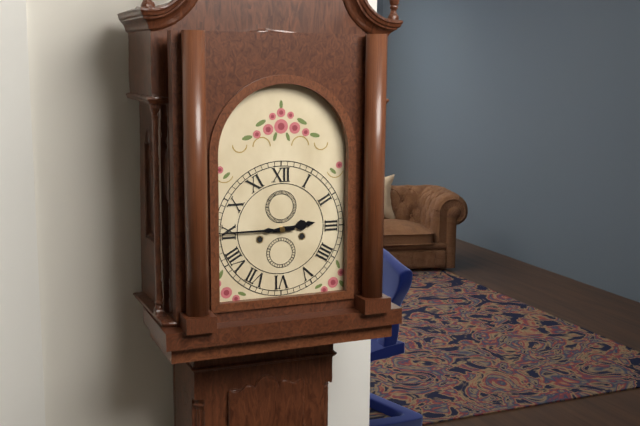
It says 2:45
